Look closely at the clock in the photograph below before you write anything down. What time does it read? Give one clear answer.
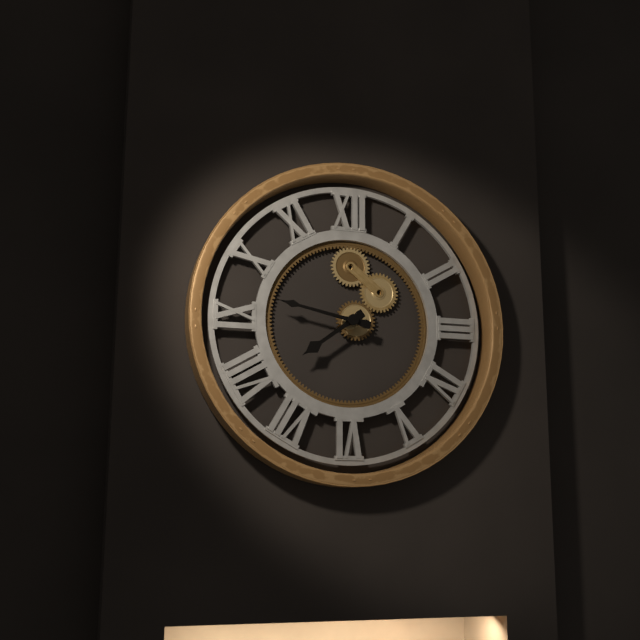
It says 7:47
